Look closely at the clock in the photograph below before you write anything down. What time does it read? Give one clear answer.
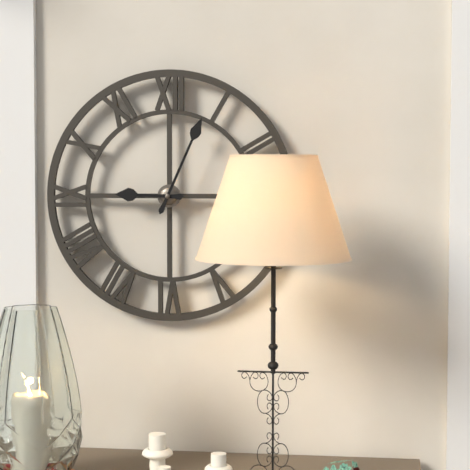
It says 9:04
